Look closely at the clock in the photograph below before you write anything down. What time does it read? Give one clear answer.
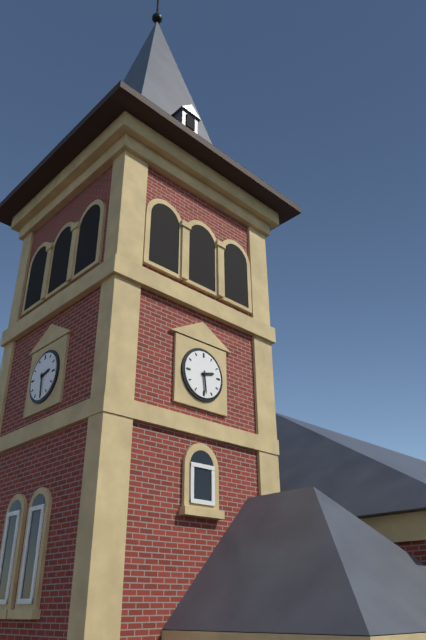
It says 2:29
